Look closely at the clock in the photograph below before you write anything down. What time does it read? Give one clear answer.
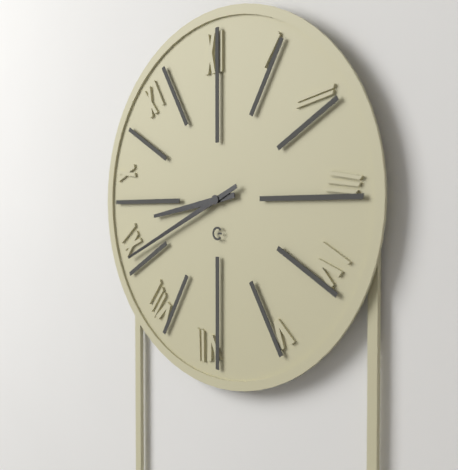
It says 8:41
